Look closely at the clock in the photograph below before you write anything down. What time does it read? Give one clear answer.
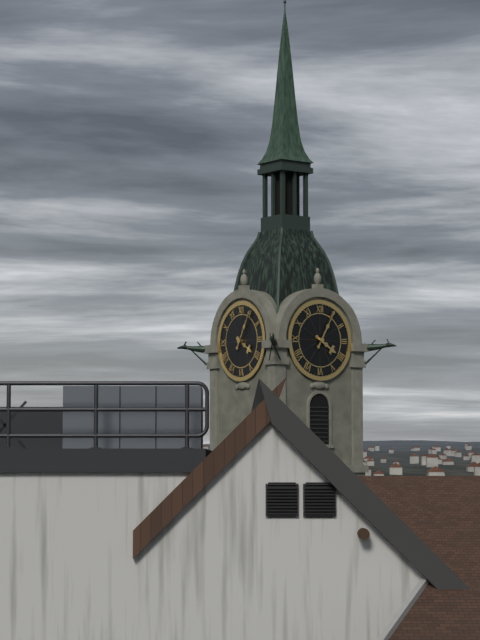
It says 4:05
